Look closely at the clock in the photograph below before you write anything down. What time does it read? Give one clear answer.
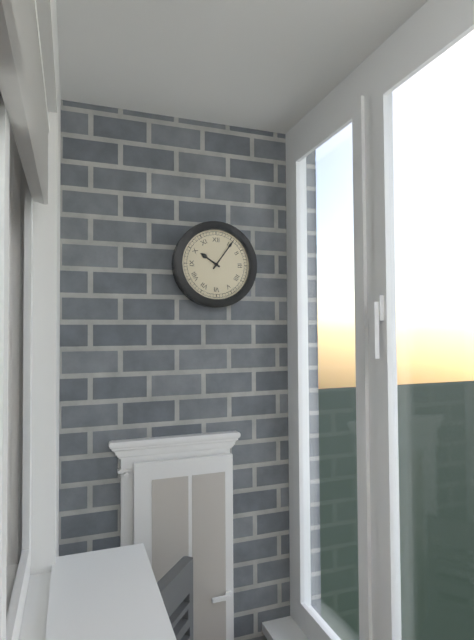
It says 10:06
